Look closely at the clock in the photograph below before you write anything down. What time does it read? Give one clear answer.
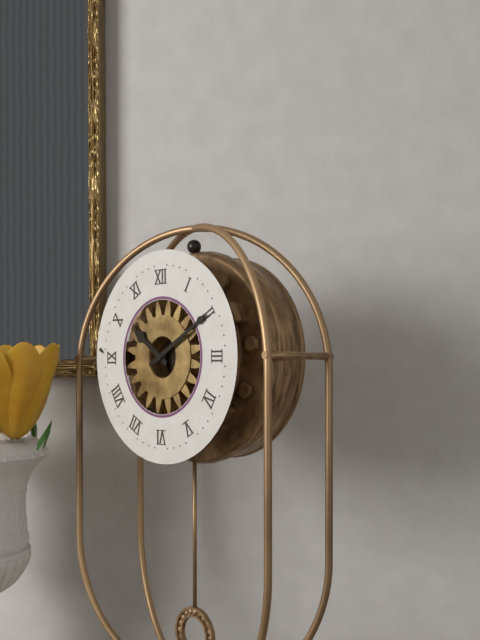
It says 10:10
